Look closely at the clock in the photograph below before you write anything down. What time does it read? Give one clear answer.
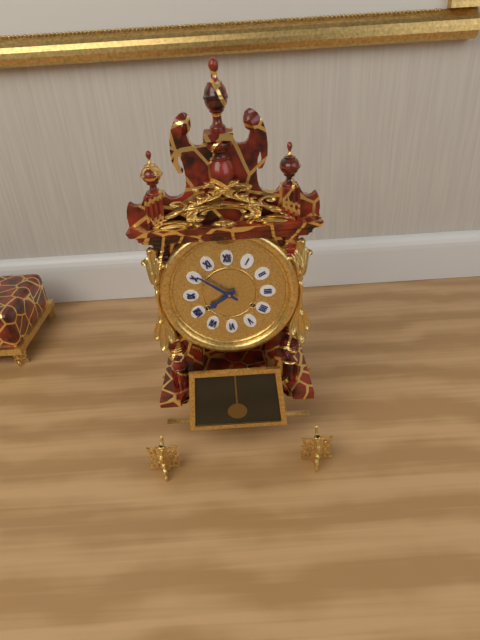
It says 7:51
